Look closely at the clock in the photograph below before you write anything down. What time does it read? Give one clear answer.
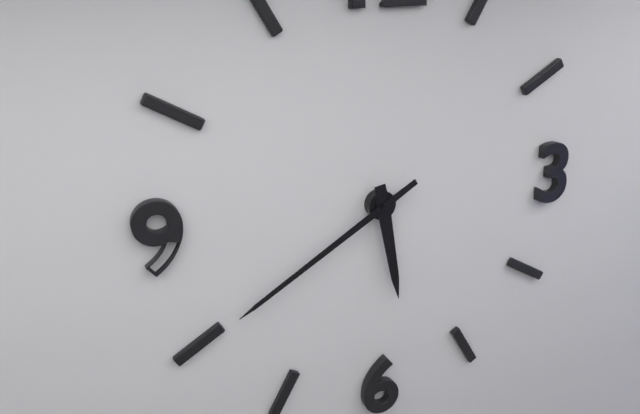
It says 5:40
